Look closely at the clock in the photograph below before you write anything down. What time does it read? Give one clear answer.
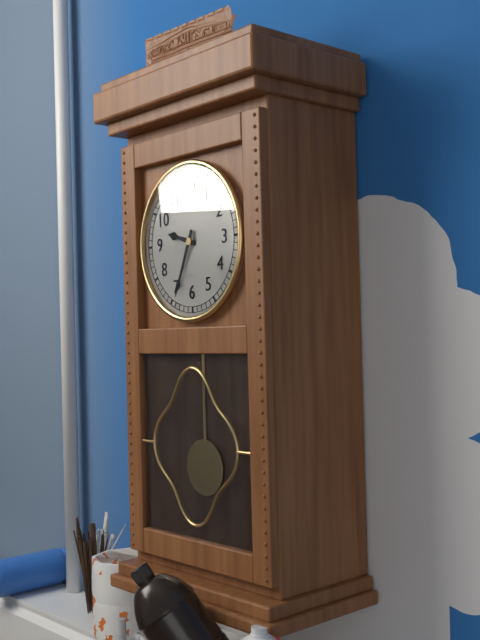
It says 9:34
